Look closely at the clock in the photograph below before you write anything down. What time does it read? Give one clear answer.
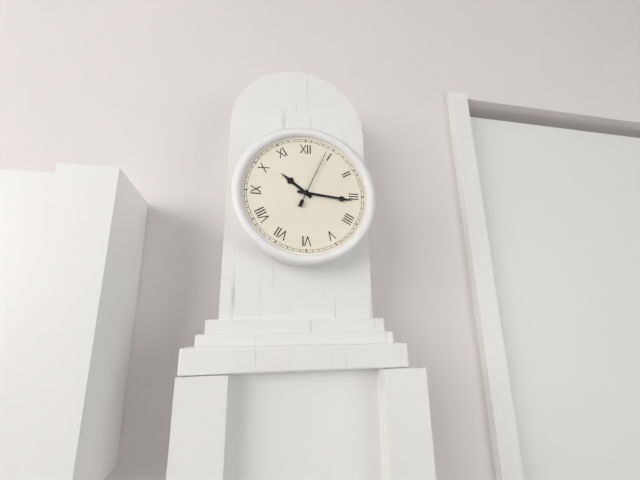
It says 10:16:04
